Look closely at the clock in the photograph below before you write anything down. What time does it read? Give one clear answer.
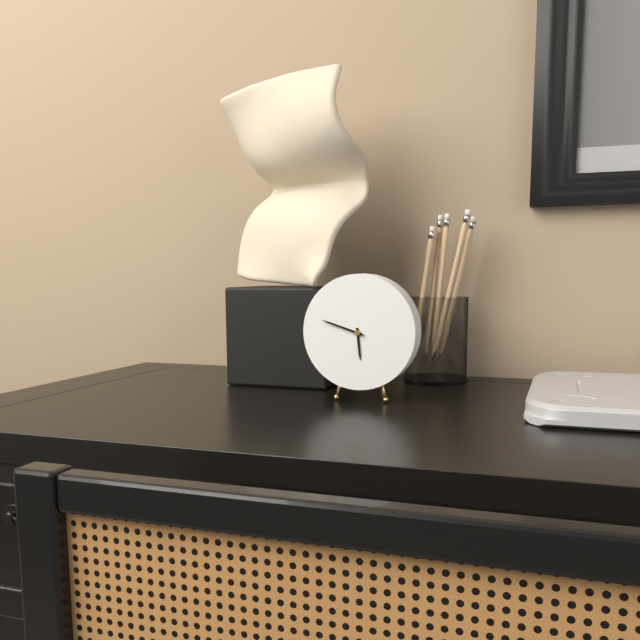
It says 5:48
